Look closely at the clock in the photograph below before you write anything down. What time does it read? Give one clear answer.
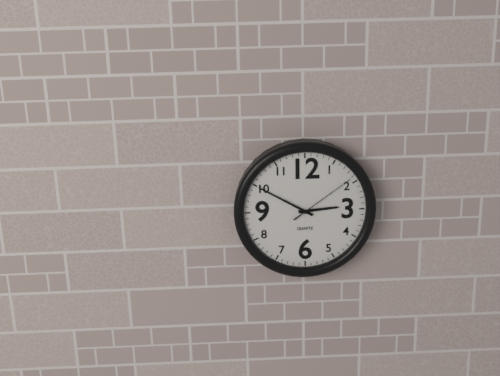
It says 2:50:09
